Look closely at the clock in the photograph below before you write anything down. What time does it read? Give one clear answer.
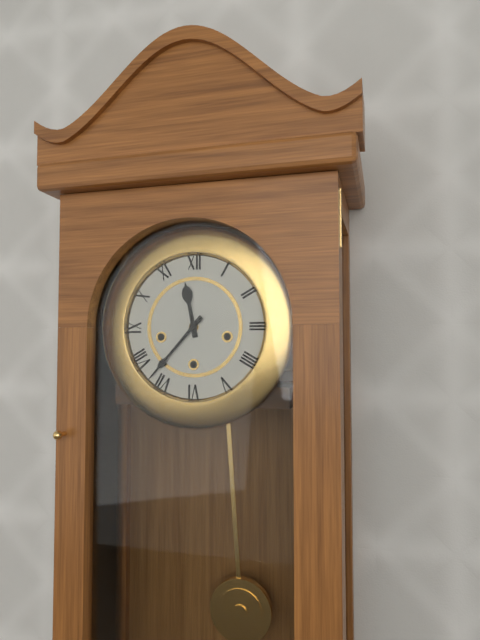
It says 11:37
